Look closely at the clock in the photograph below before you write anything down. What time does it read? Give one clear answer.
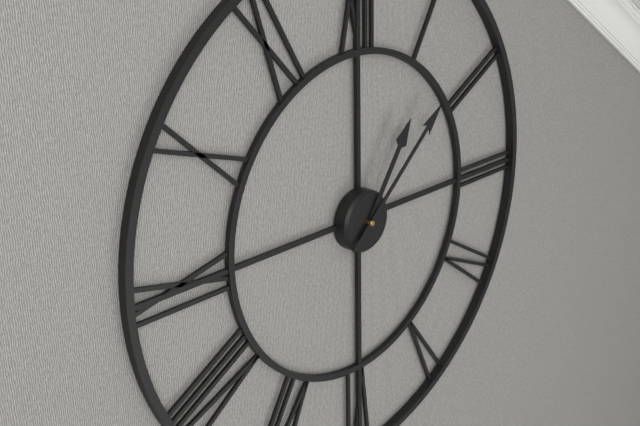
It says 1:08
